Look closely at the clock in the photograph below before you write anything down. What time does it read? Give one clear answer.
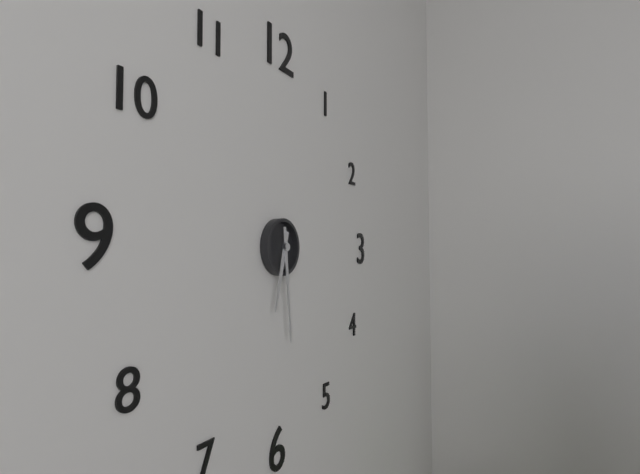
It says 6:29
